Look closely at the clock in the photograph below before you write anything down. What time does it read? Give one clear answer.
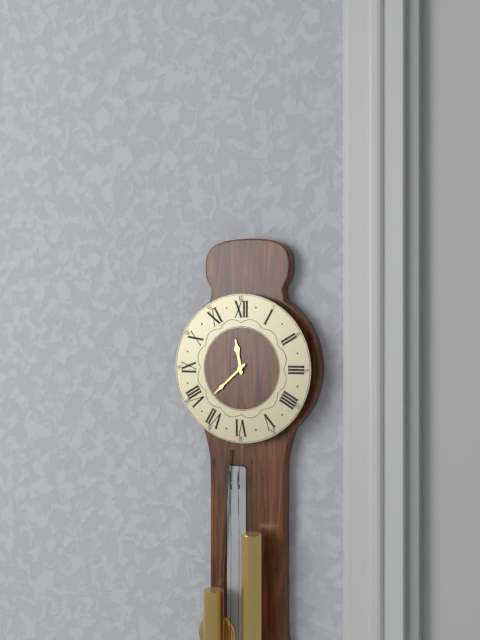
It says 11:38
